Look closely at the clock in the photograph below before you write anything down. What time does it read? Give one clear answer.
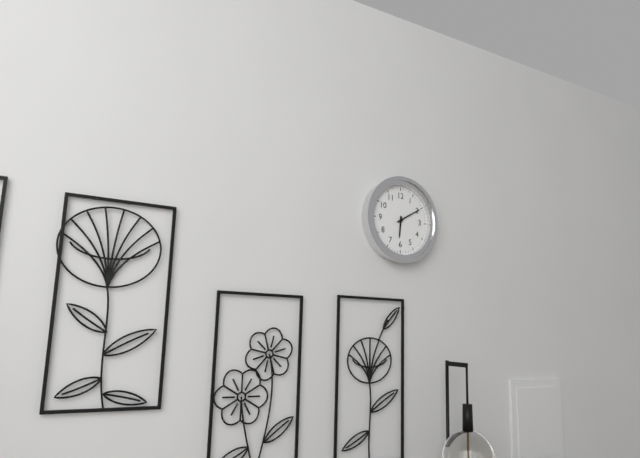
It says 6:10
